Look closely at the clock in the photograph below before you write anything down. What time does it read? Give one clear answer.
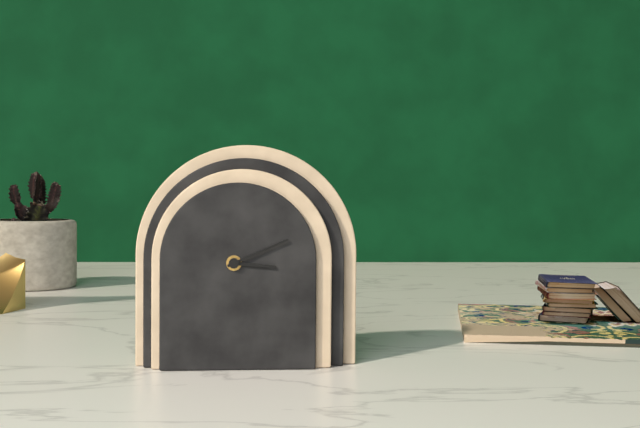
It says 3:11
